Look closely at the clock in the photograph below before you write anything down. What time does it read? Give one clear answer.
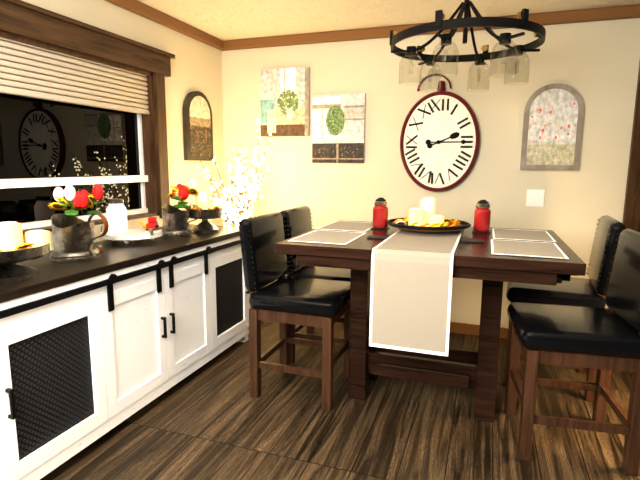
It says 2:15
